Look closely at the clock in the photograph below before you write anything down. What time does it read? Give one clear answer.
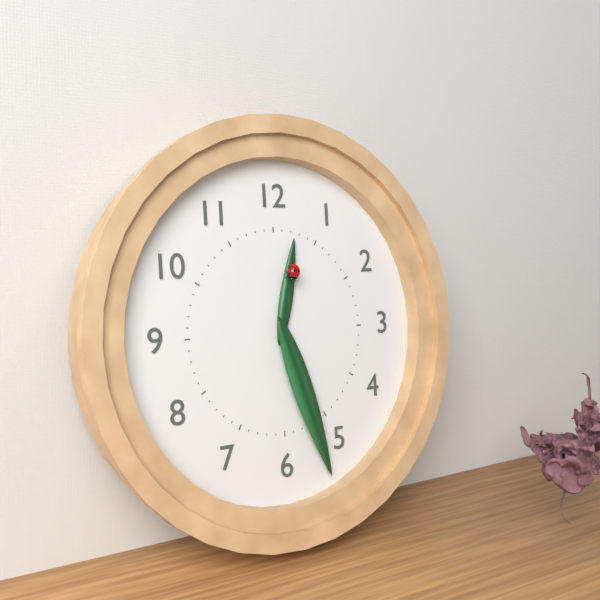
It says 12:27
